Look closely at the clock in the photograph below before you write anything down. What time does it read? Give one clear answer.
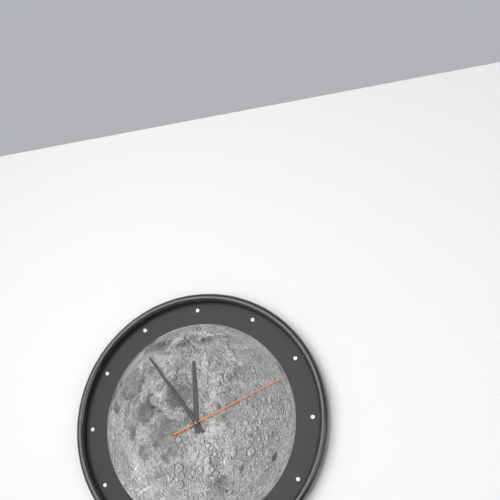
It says 11:54:11
